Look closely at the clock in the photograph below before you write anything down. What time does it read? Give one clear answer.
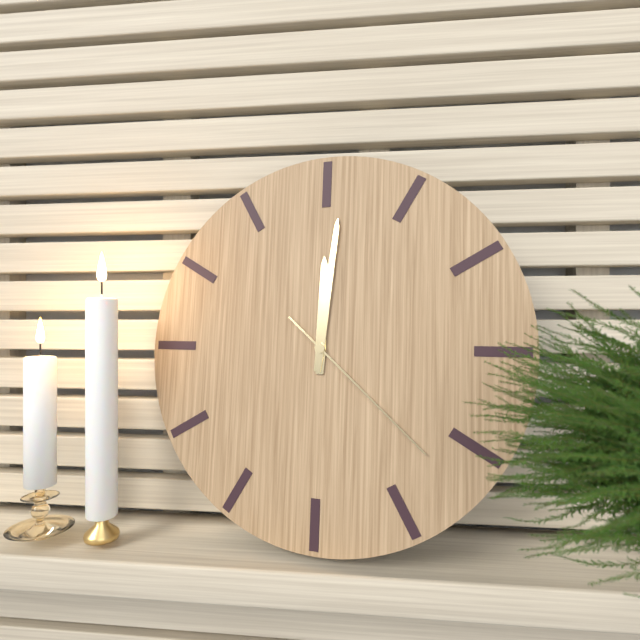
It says 12:01:22
